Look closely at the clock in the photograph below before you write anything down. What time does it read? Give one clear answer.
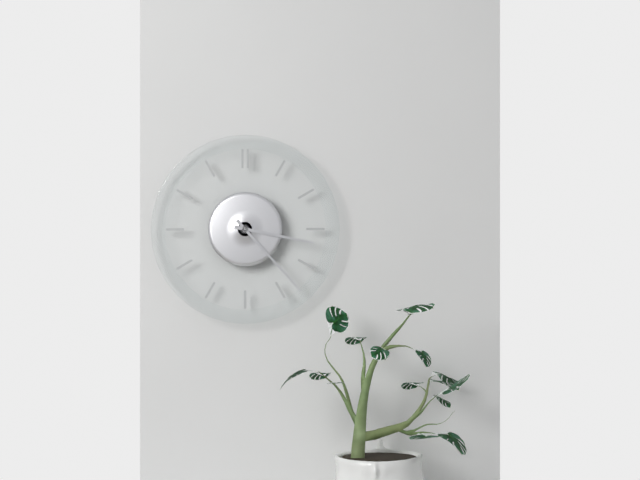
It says 3:23
